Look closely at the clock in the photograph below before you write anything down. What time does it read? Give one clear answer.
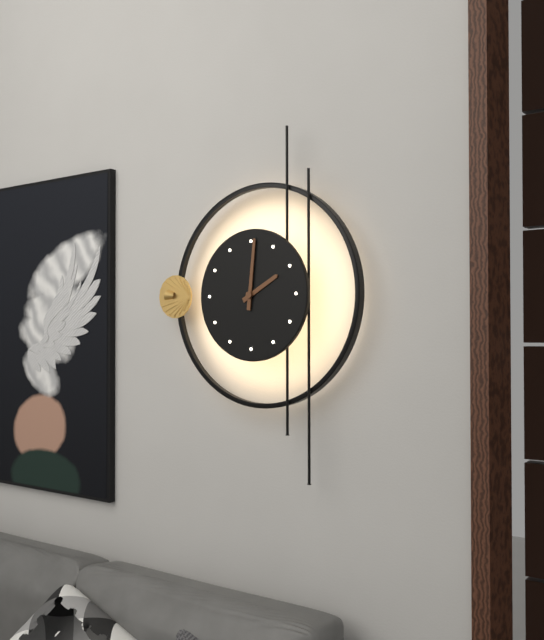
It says 2:01
